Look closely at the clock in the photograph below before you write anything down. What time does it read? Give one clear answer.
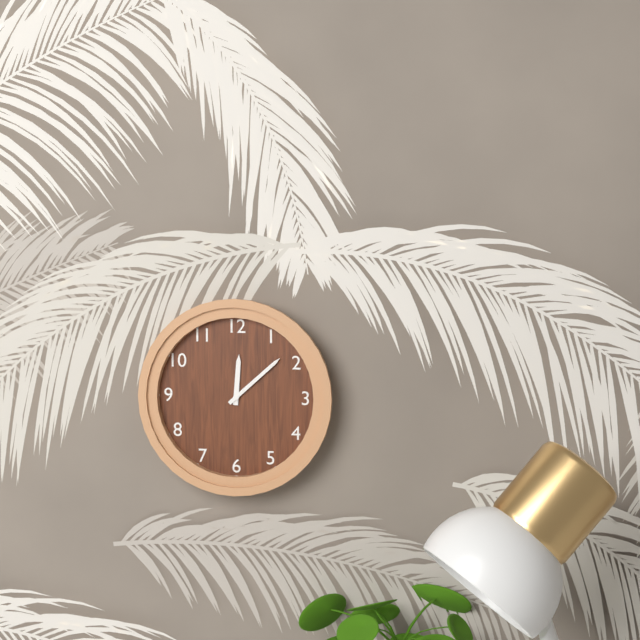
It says 12:08
